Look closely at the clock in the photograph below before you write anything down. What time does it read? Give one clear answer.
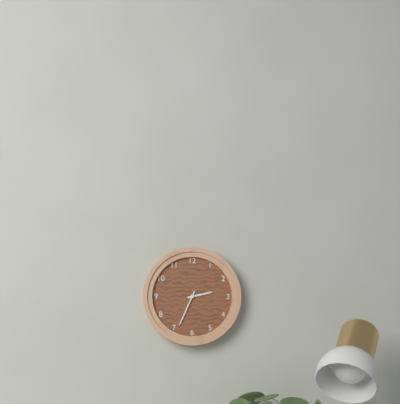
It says 2:34
